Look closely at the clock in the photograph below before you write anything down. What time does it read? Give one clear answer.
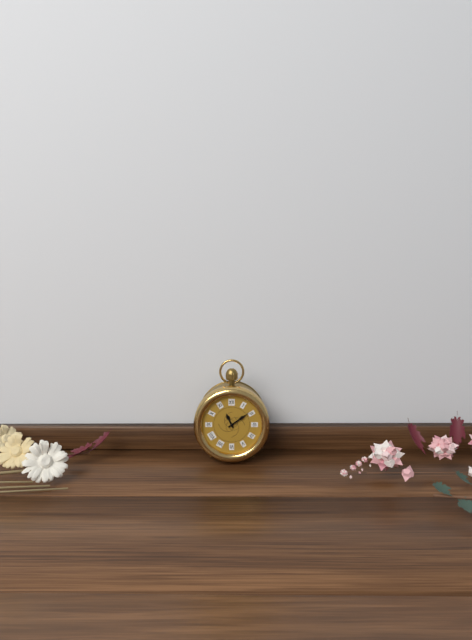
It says 11:09
